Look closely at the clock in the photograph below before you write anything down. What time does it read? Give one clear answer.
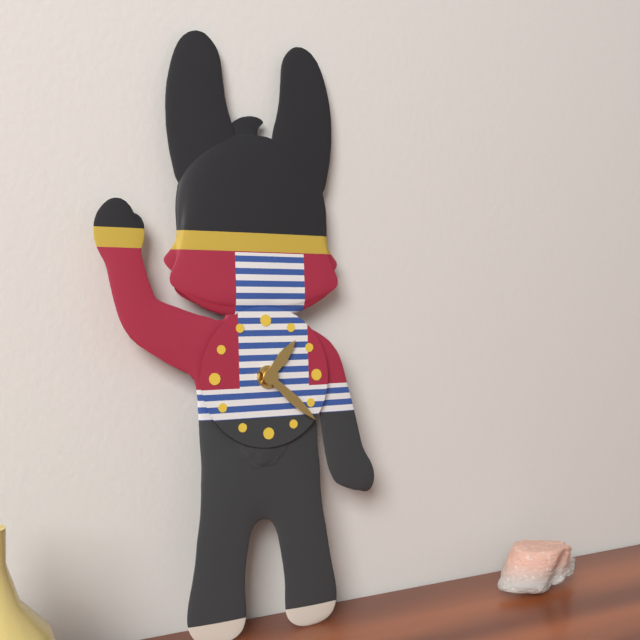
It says 1:22
